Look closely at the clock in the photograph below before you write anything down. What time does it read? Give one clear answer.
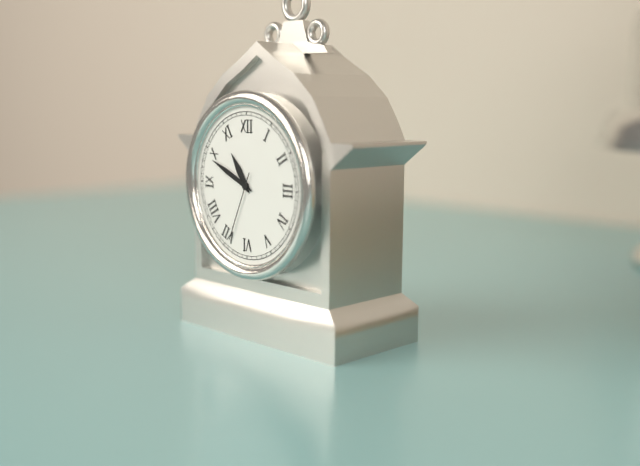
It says 10:49:34
